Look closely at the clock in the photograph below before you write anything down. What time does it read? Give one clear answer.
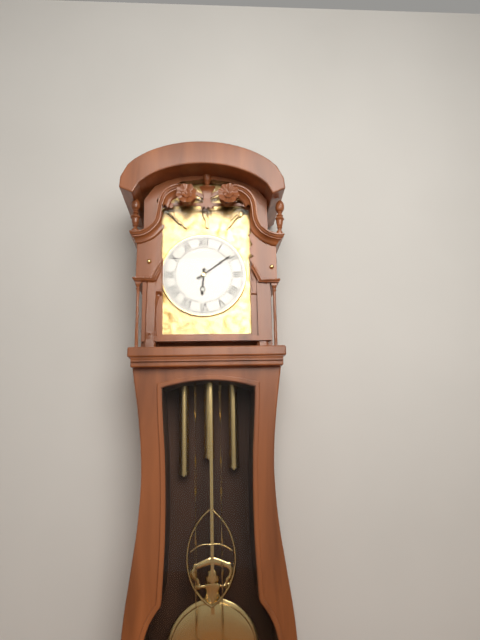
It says 6:09
